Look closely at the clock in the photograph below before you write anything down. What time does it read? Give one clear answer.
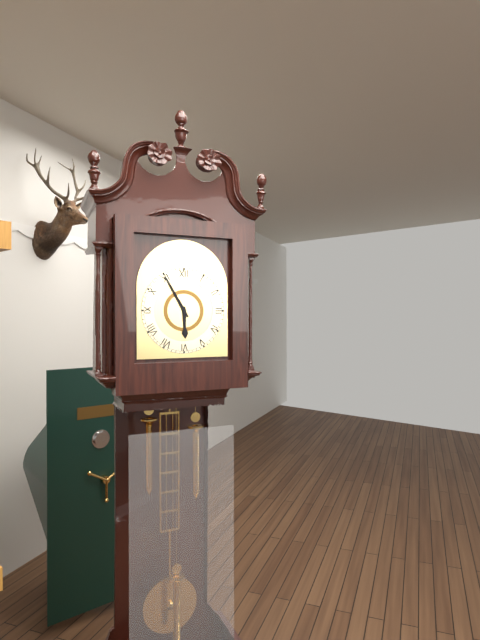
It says 5:55
